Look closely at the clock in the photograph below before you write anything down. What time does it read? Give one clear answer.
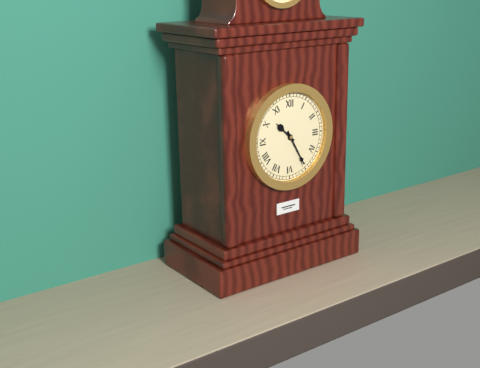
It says 10:25
